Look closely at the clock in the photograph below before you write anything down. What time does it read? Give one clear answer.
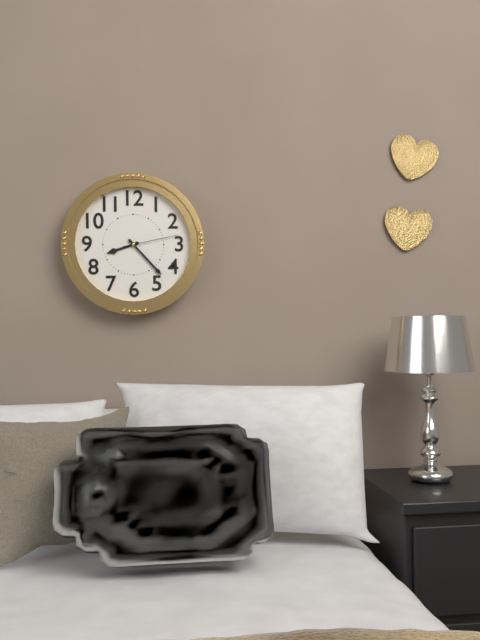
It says 8:23:13
